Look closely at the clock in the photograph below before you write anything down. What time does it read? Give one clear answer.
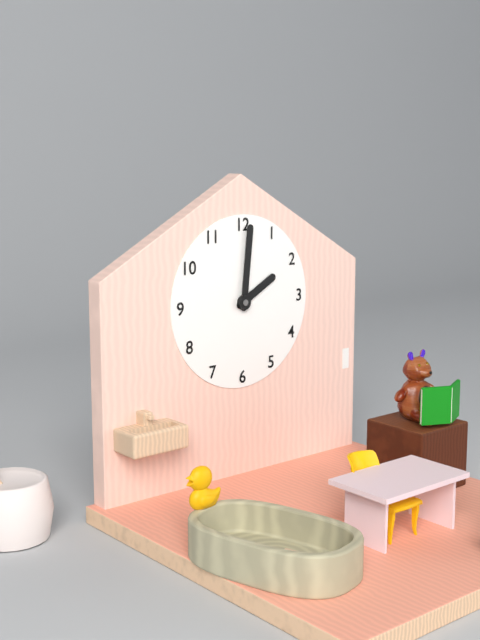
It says 2:01
